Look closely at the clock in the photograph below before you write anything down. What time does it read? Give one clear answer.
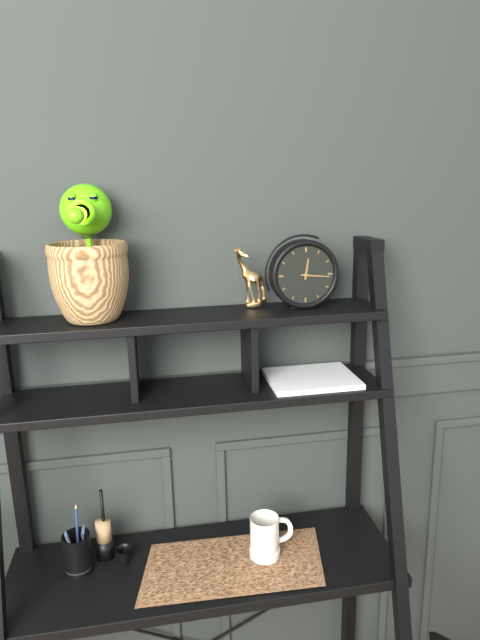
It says 12:16
